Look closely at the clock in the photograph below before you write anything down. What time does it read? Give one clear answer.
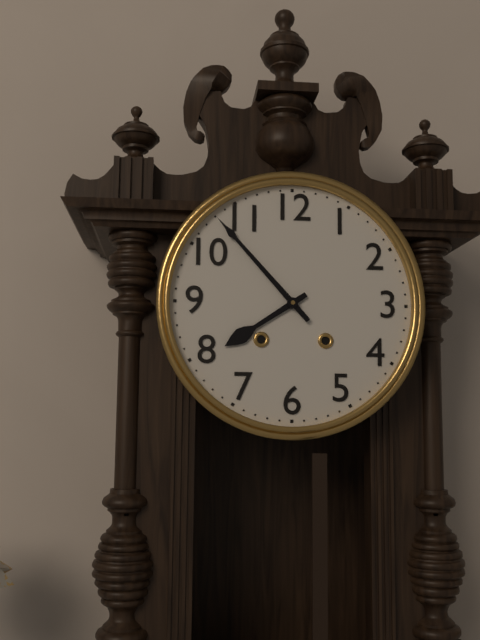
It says 7:53
